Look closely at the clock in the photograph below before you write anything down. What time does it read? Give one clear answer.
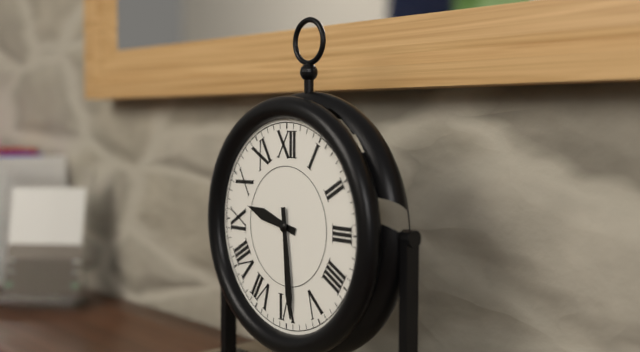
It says 9:29
